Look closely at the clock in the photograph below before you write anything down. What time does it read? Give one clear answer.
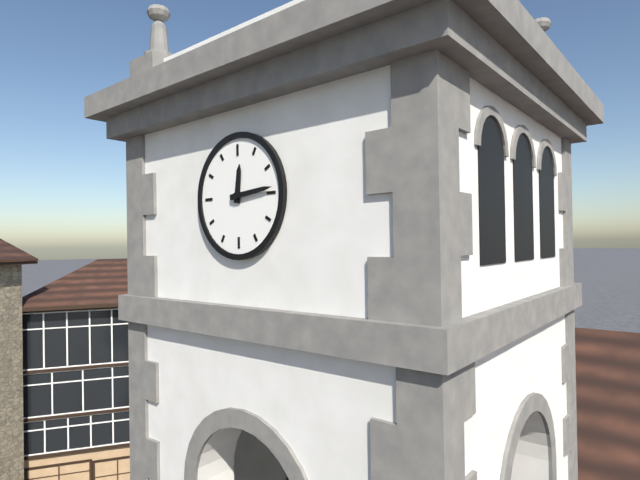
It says 12:14
